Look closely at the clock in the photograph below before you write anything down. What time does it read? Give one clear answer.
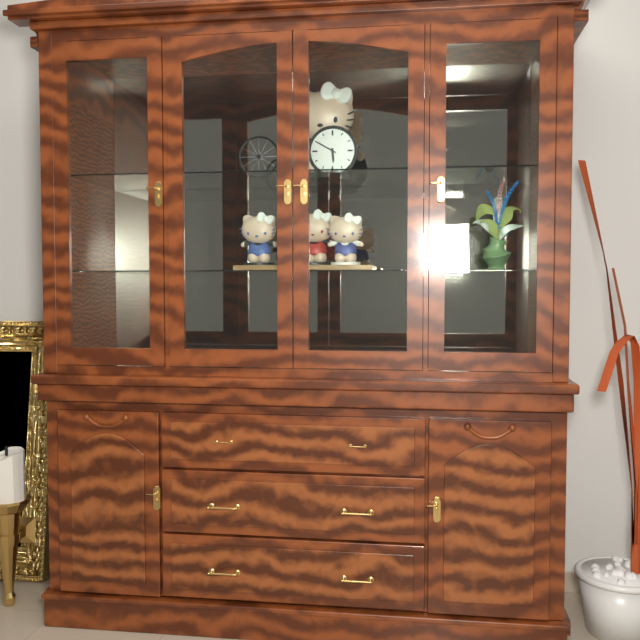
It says 5:50
